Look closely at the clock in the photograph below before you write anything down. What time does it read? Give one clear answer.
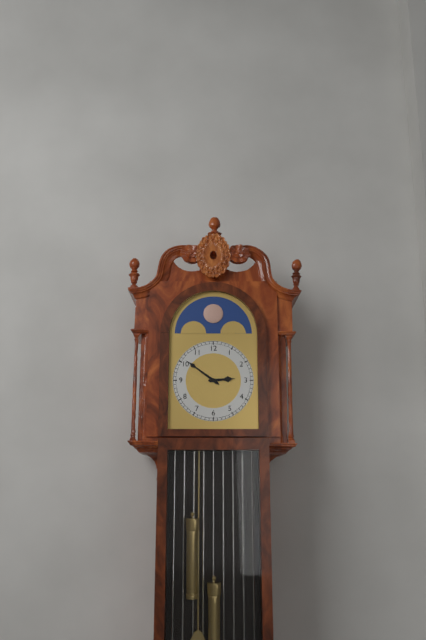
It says 2:51
